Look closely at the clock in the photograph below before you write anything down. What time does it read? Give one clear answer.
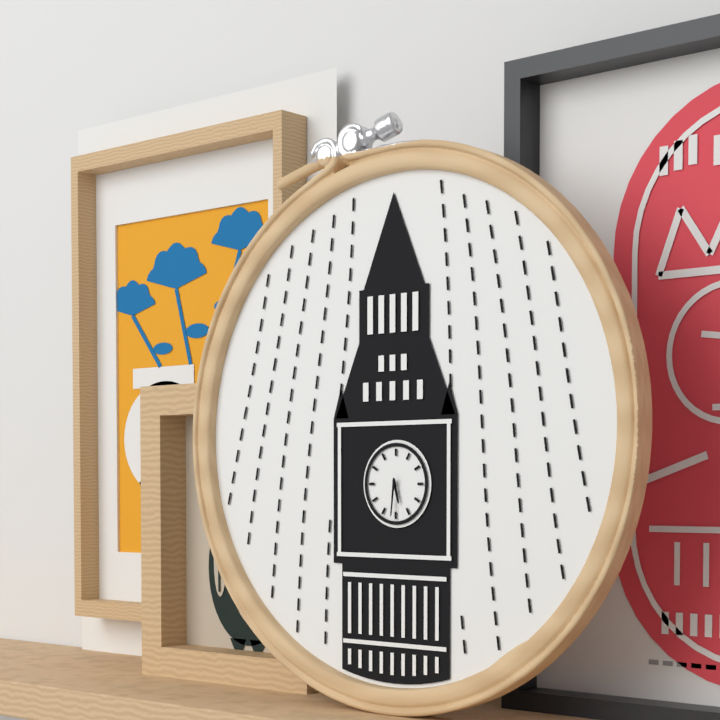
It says 5:31
